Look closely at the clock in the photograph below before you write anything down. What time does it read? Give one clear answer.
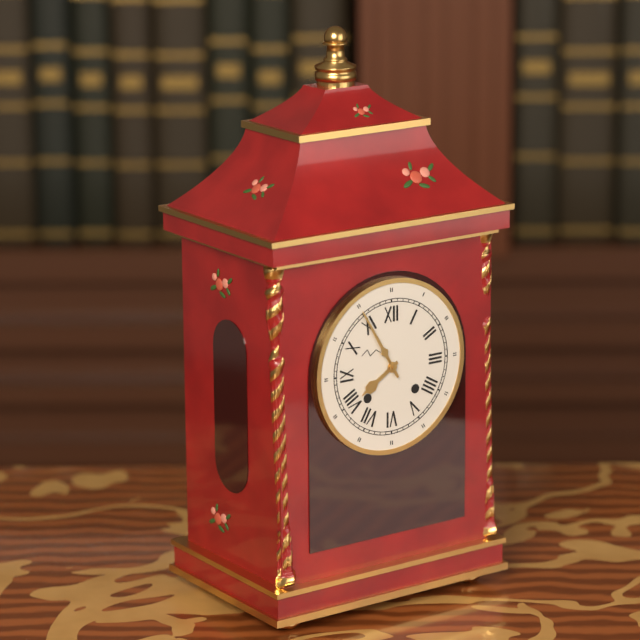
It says 7:55
